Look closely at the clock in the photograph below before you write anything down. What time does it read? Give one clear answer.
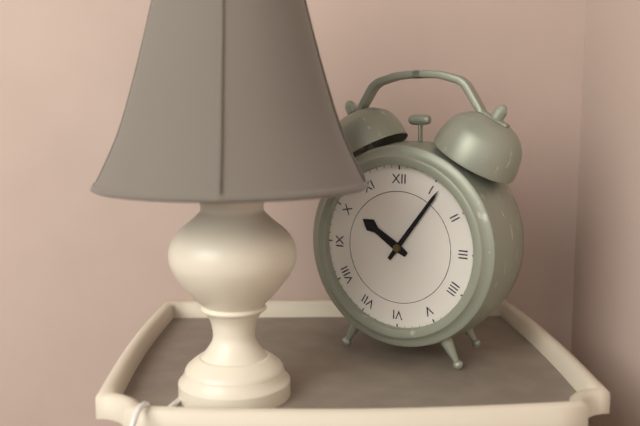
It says 10:06
